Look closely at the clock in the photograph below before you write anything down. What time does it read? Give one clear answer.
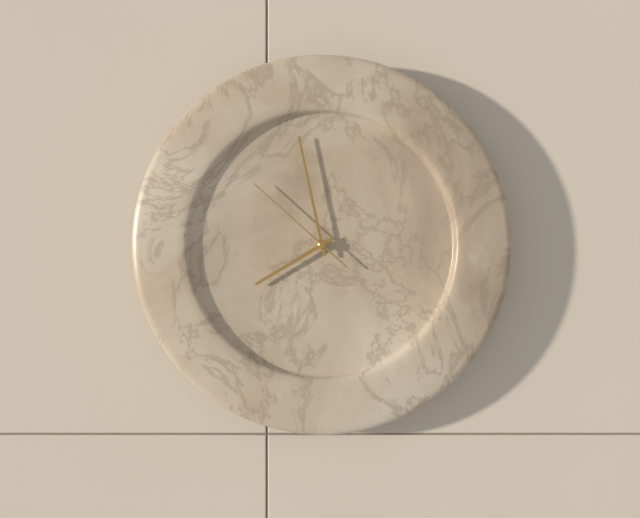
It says 7:58:52
